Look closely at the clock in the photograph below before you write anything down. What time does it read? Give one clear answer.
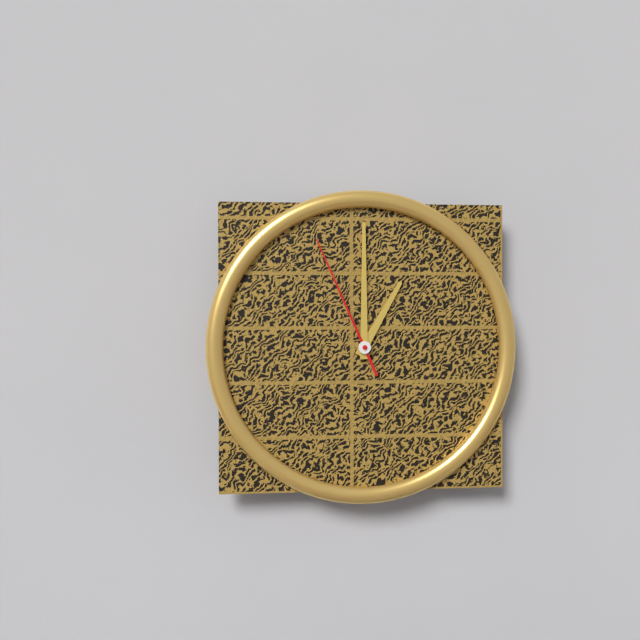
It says 1:00:56
